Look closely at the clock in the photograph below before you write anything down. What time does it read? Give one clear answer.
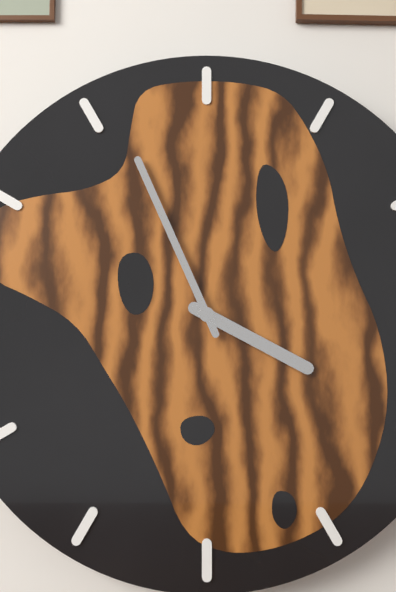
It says 3:56
